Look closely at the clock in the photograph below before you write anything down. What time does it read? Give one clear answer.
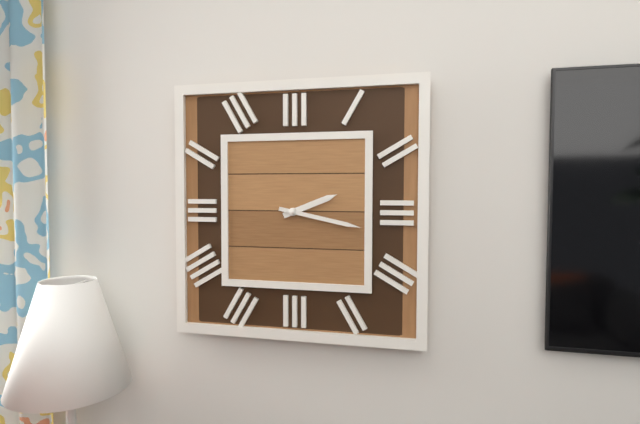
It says 2:17
